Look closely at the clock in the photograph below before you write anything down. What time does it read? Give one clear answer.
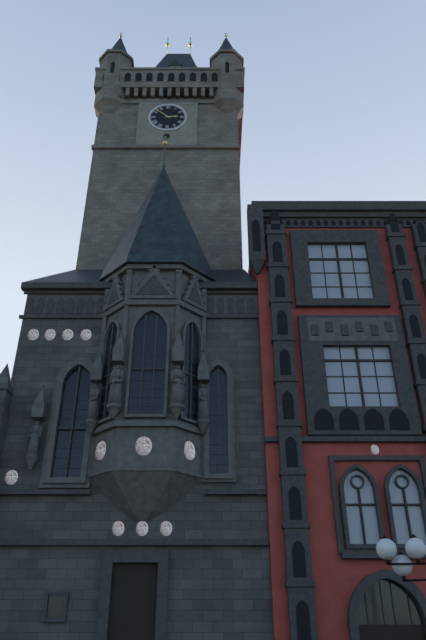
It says 2:52
